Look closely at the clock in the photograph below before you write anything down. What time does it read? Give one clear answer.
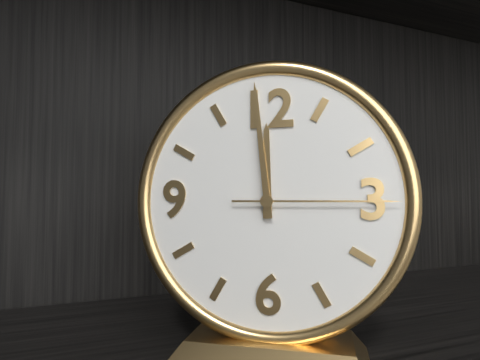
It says 11:59:15
